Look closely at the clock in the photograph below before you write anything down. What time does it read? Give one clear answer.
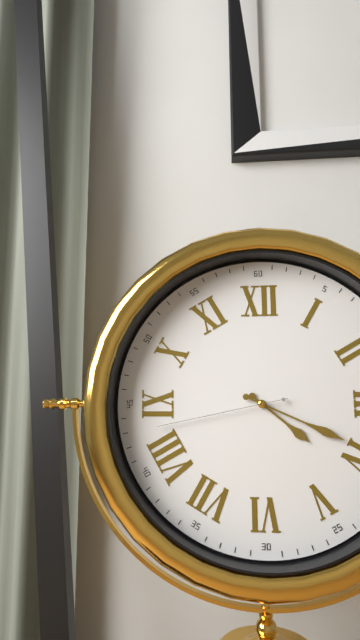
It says 4:19:43
